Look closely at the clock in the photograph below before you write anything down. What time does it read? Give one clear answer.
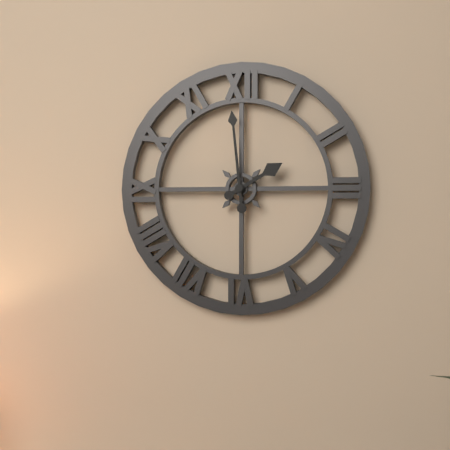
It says 1:59
